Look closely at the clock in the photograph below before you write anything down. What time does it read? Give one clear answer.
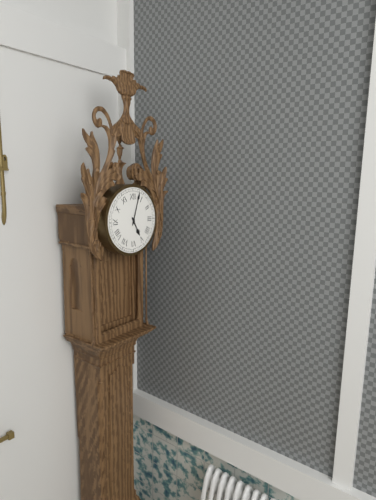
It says 5:03
